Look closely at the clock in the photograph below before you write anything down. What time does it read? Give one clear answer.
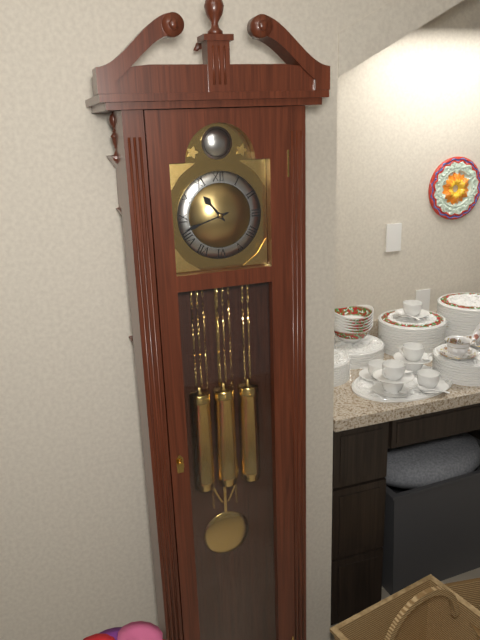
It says 10:42
